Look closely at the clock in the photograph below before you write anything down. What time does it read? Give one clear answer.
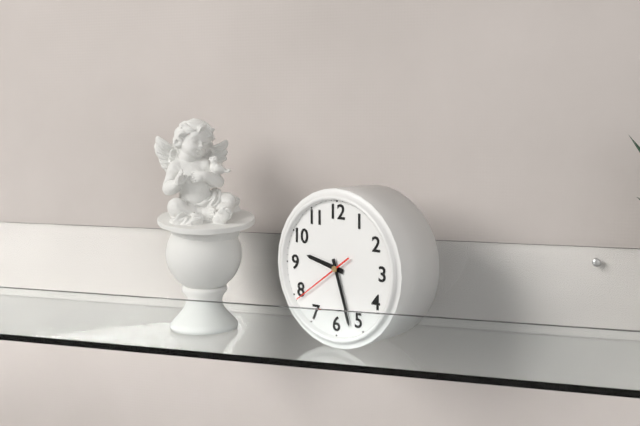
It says 9:27:39
